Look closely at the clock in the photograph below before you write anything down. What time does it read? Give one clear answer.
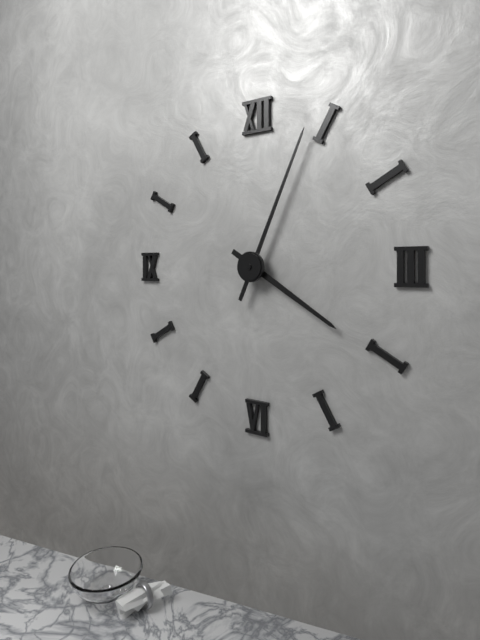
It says 4:04
